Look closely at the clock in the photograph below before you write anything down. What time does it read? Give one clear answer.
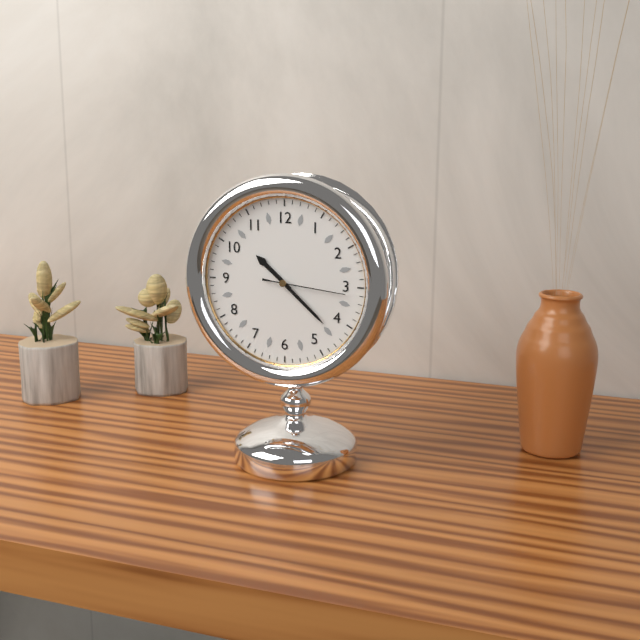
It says 10:22:16
